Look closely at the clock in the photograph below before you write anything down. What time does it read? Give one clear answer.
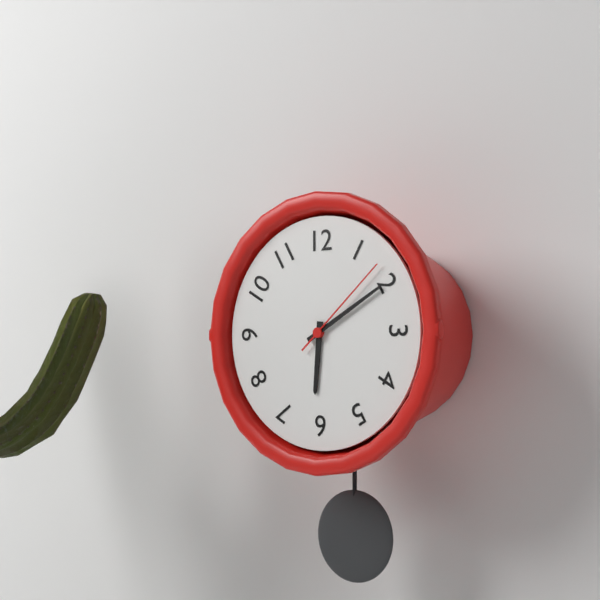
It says 6:10:08
